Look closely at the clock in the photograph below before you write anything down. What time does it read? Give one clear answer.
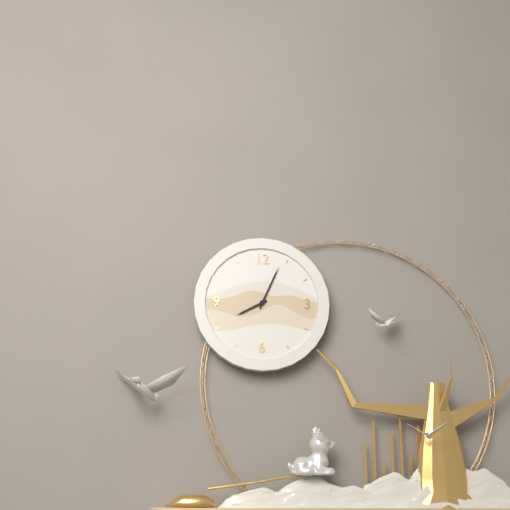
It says 8:04
